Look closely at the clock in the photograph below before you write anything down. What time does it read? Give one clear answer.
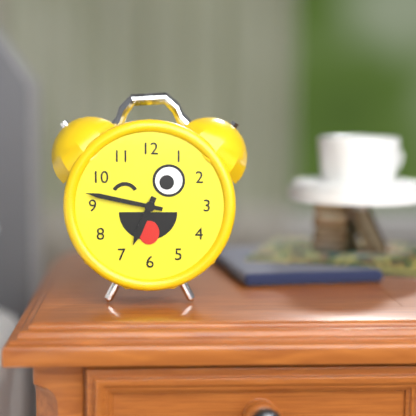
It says 6:47
